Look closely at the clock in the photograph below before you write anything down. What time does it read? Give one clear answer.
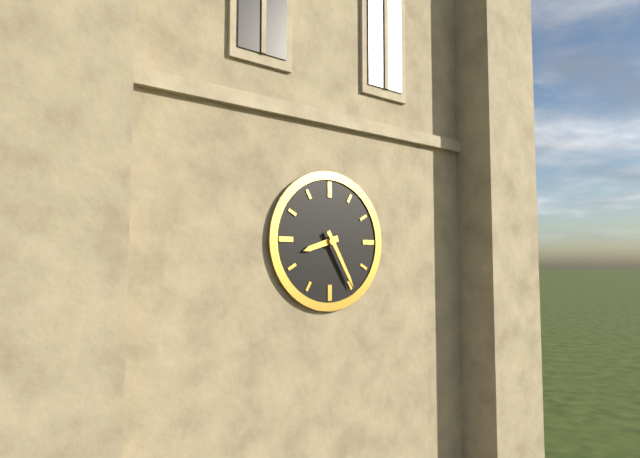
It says 8:25
